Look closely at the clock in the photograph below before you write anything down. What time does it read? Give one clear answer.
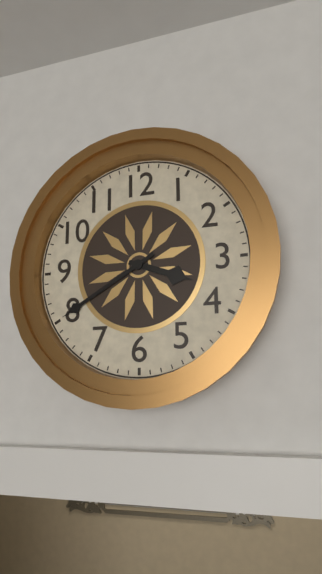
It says 3:40
